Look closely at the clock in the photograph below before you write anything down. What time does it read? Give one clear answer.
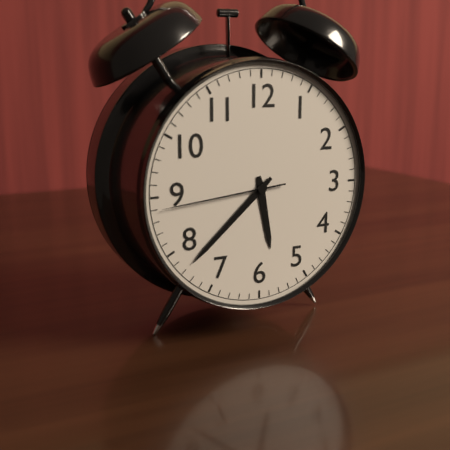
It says 5:38:44
